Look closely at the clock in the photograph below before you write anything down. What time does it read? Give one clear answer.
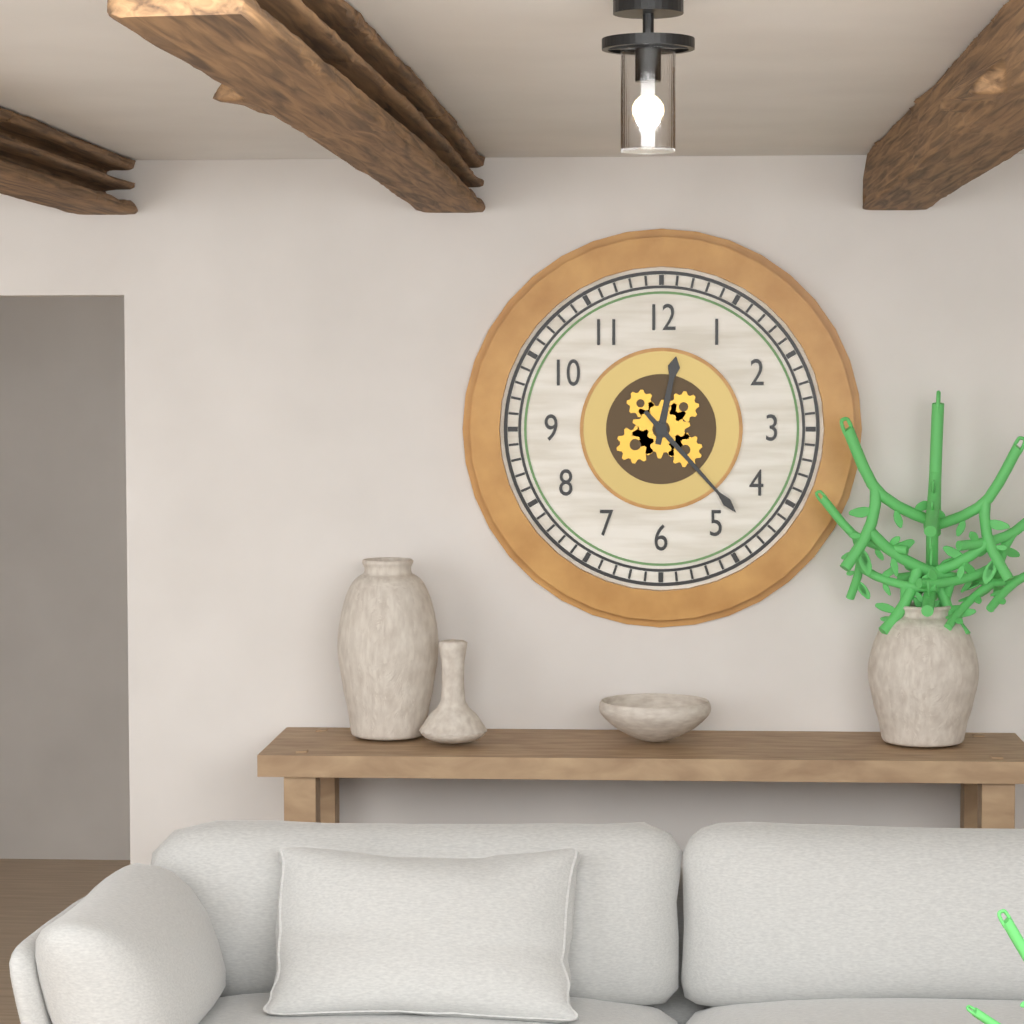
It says 12:23
